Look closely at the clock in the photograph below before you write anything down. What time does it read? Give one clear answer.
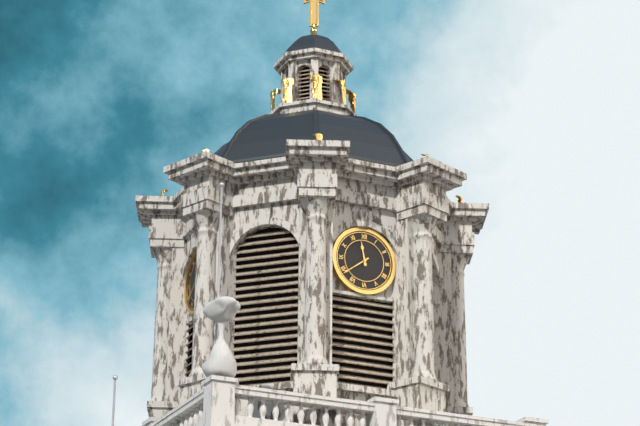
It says 11:39
